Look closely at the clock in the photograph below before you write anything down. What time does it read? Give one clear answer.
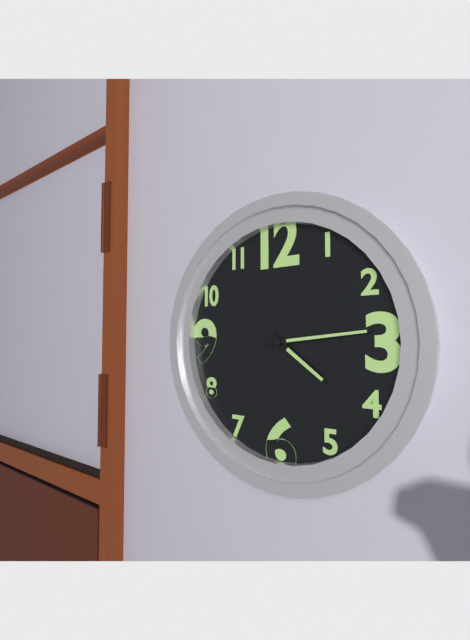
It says 4:14
